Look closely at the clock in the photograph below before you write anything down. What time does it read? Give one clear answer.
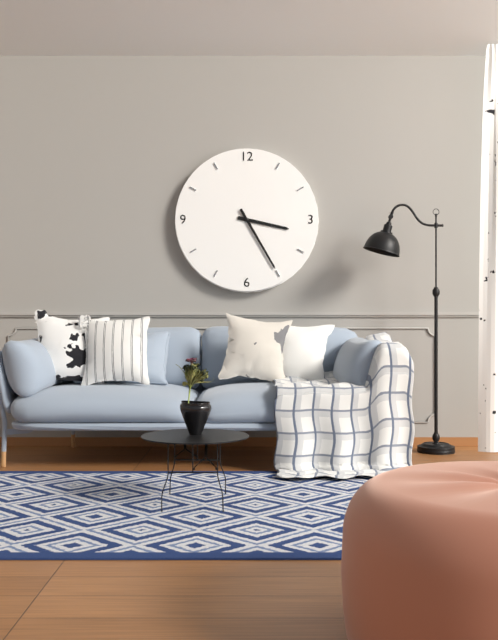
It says 3:25
